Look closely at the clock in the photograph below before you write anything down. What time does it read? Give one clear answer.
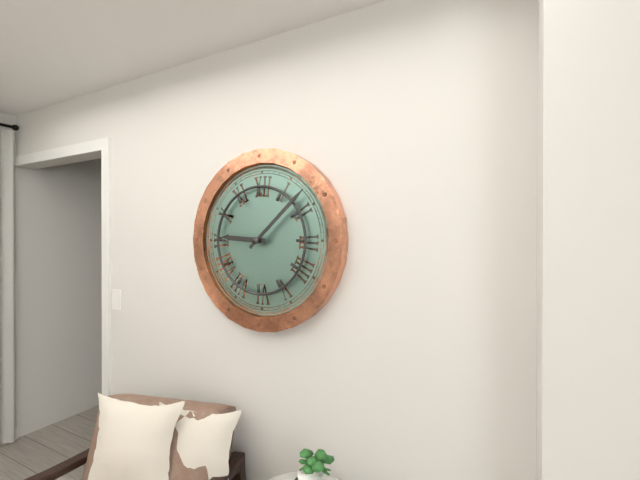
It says 9:08
